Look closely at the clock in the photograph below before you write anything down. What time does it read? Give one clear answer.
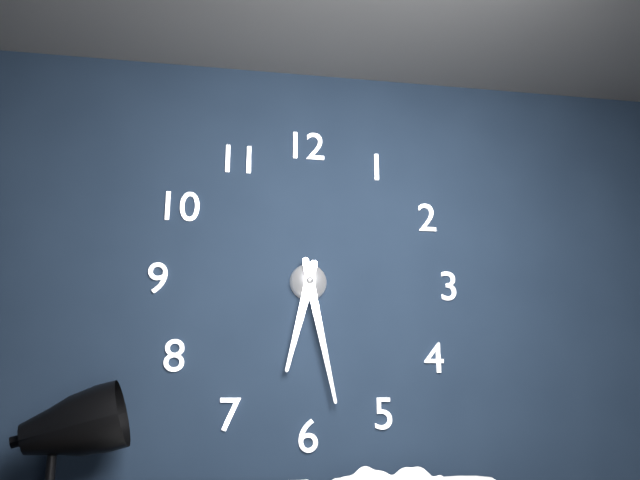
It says 6:28
